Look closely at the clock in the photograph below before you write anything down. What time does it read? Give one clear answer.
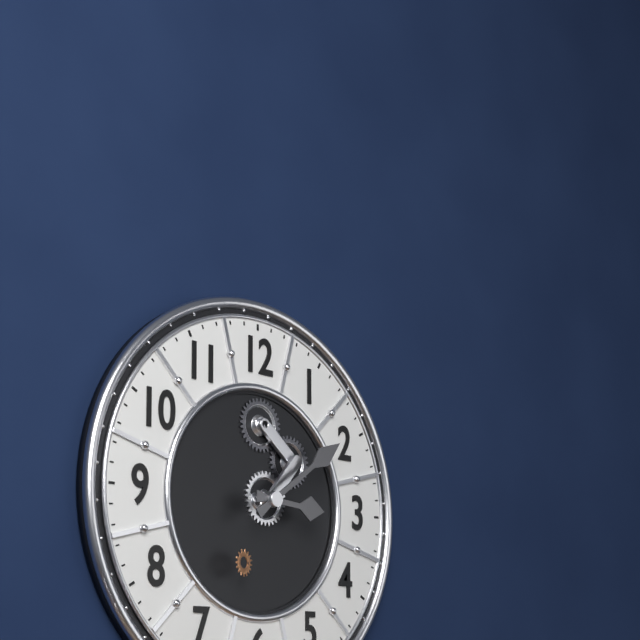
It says 3:09
